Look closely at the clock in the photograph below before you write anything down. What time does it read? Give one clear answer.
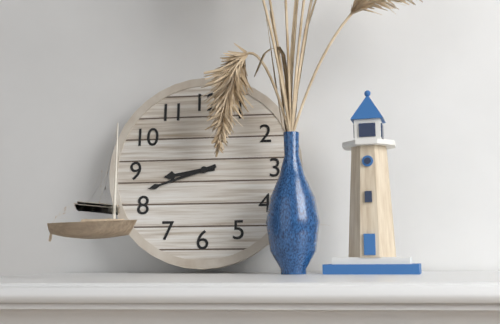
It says 8:42
